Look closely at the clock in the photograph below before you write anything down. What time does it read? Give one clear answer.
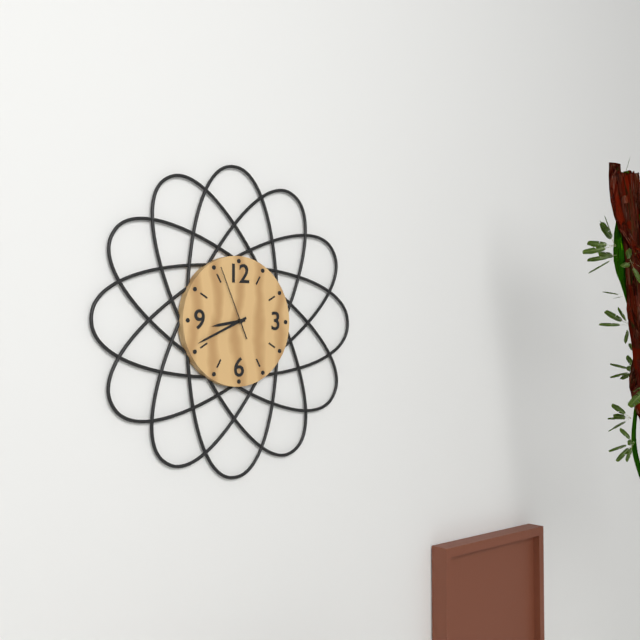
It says 8:41:56
